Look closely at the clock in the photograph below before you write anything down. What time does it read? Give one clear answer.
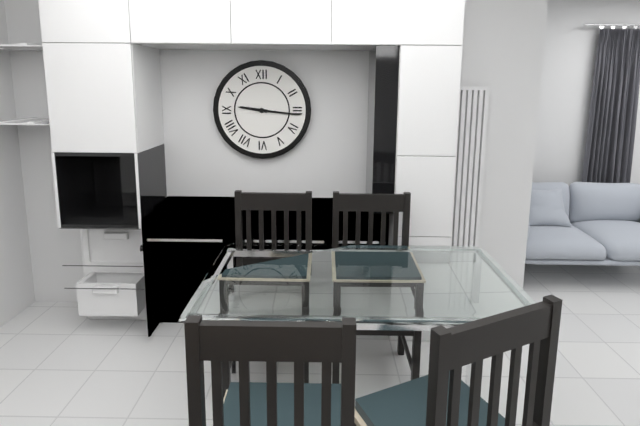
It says 9:16
